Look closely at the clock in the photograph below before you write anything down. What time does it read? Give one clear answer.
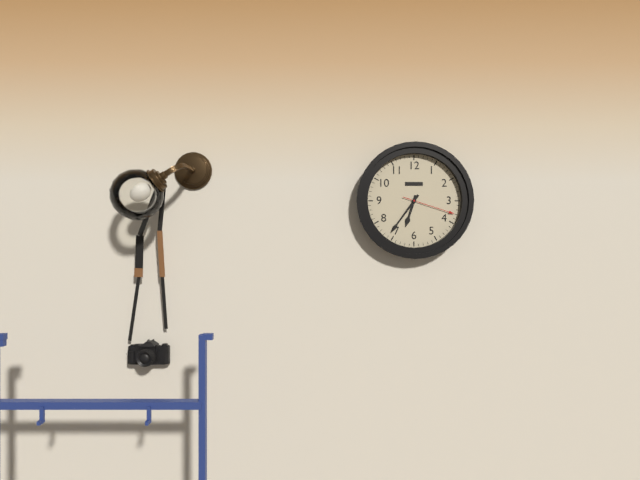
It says 6:36:18
